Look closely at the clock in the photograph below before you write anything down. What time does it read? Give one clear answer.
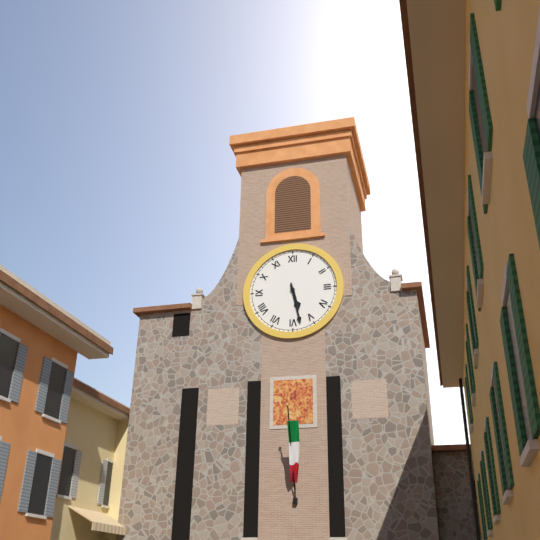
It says 5:28
